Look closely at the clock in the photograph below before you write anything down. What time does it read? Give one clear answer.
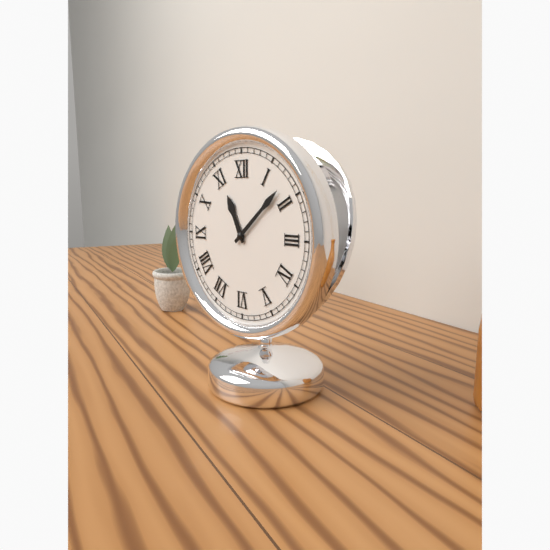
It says 11:08
